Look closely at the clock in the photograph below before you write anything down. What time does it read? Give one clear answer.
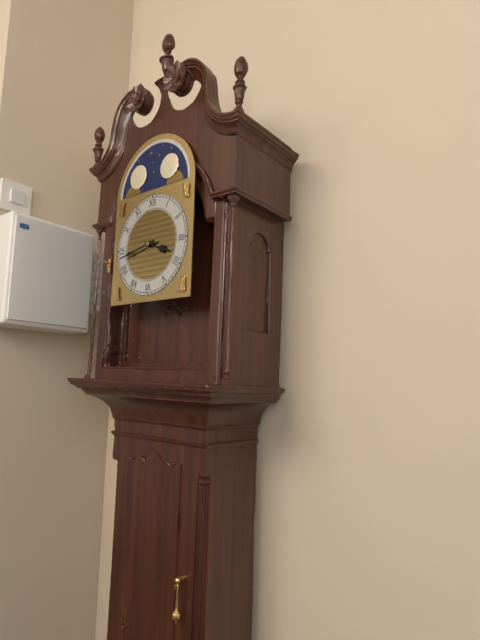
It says 3:43
